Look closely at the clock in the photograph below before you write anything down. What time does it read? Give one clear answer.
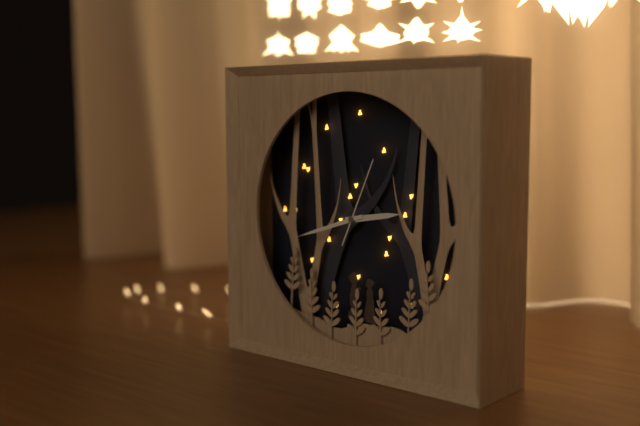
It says 2:42:04
